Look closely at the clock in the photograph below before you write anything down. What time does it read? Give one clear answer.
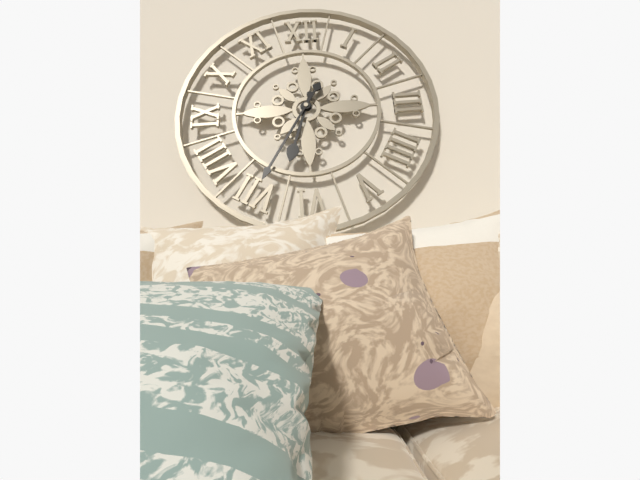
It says 6:35
